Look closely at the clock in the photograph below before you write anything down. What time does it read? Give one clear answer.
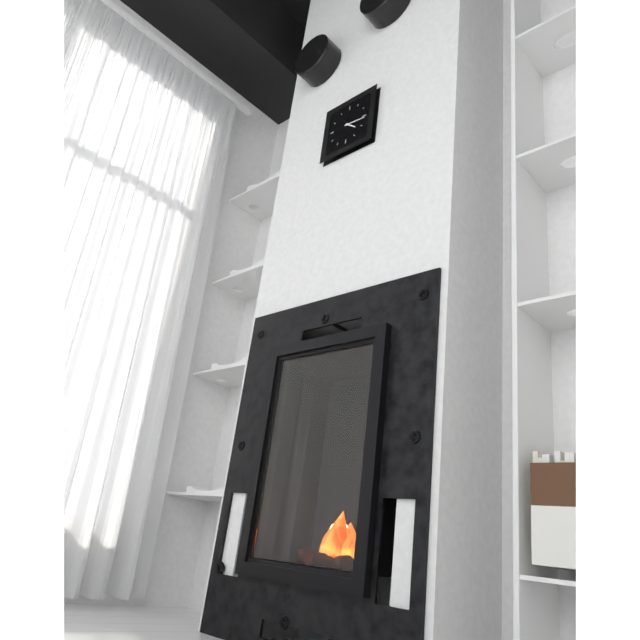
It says 4:16
